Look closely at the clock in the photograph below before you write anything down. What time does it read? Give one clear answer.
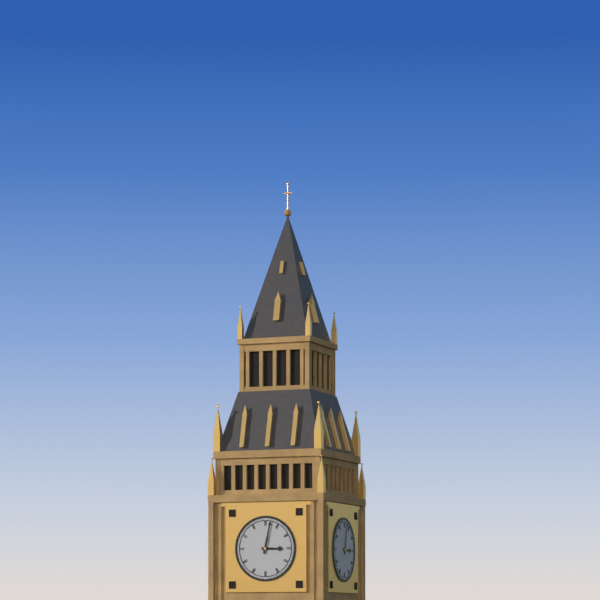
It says 3:02
